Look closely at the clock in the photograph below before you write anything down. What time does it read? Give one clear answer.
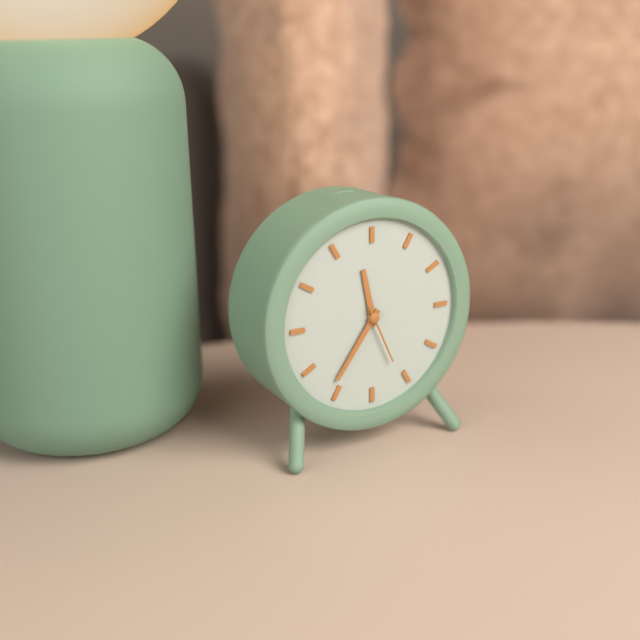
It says 11:36:26
